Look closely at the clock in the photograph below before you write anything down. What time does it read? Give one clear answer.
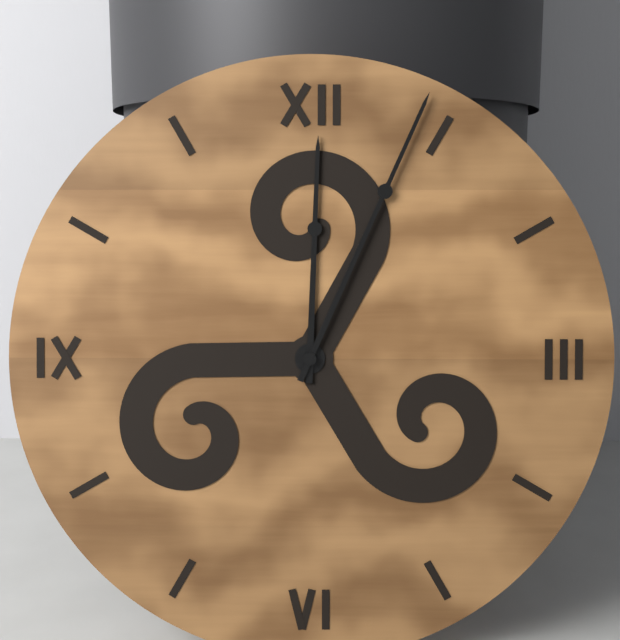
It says 12:04
